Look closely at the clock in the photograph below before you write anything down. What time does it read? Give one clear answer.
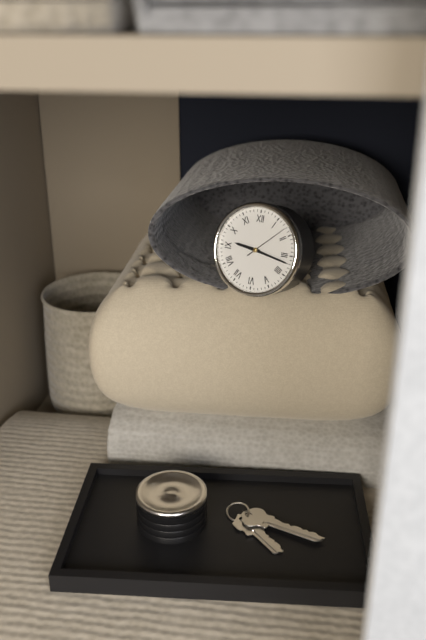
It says 9:17
